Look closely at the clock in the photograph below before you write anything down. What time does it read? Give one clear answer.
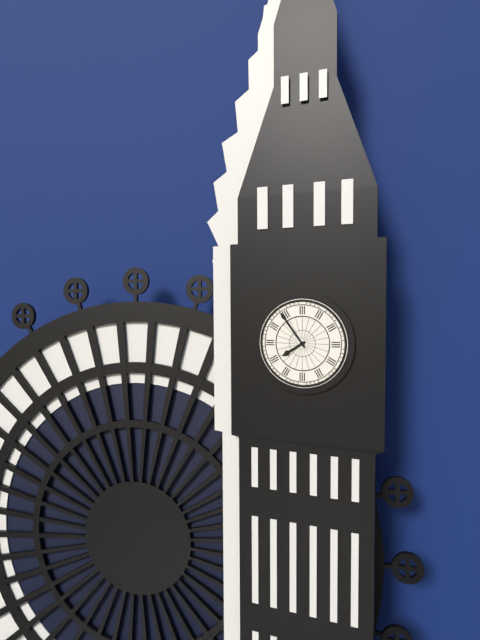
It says 7:54
